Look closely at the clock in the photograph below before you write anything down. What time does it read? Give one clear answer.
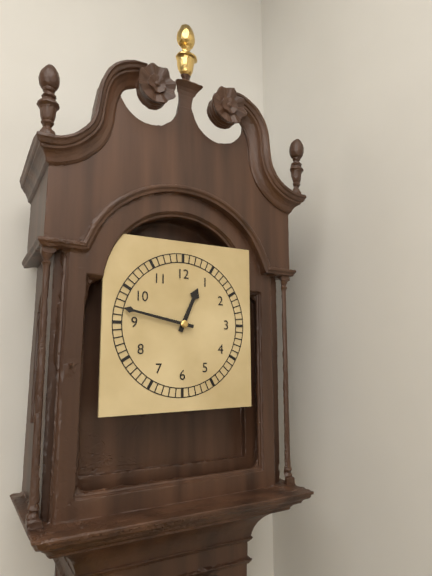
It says 12:47
